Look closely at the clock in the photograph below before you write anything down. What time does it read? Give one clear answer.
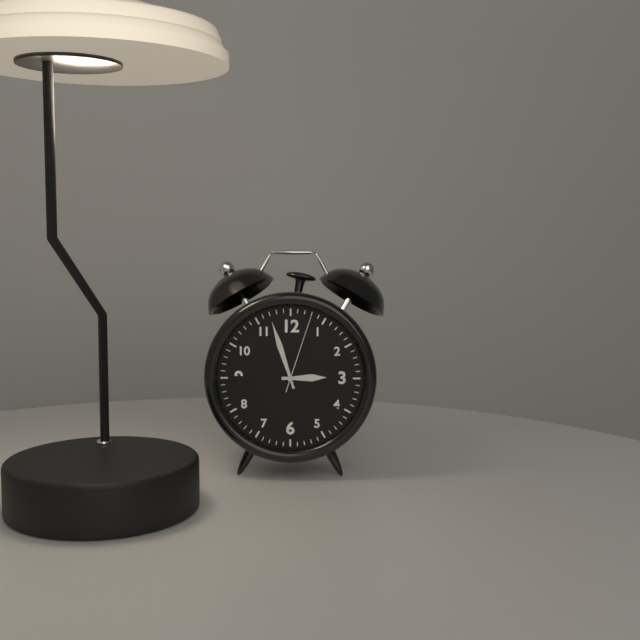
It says 2:57:03
